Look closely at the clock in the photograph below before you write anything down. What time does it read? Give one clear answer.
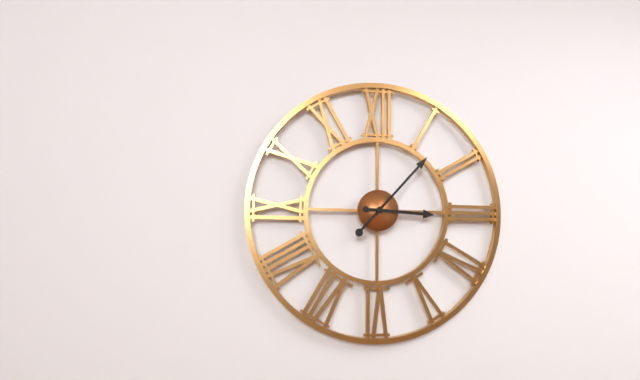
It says 3:07
